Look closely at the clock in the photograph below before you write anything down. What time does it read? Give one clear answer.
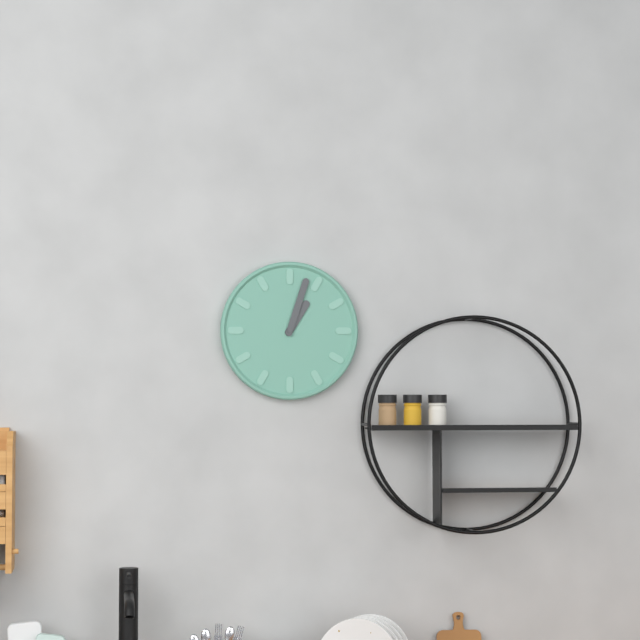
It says 1:03
